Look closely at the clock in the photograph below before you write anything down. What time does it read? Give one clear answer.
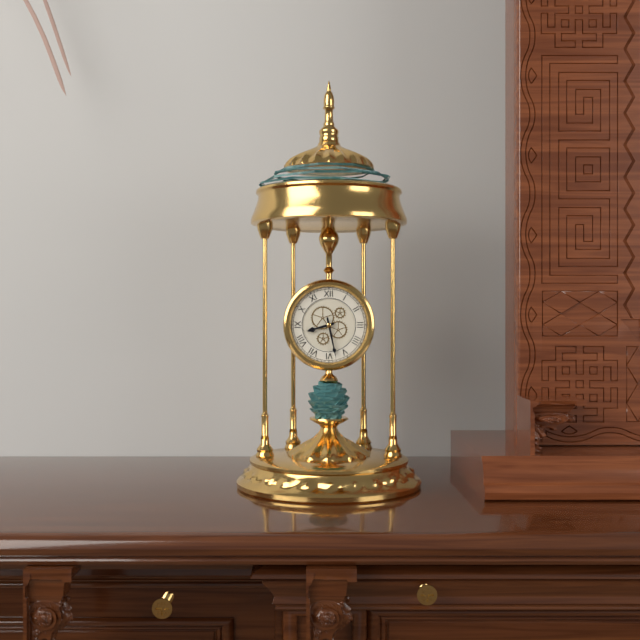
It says 8:28
